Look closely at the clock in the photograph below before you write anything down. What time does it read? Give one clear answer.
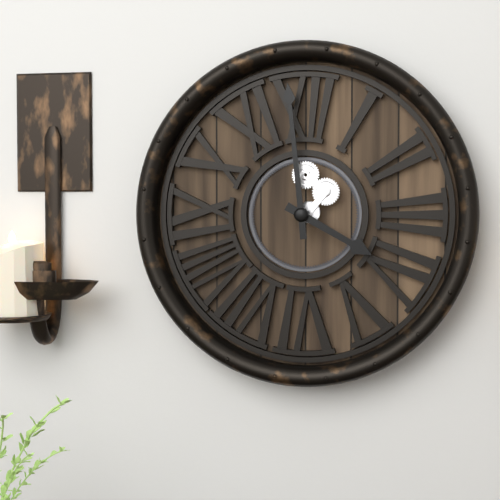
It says 3:59
